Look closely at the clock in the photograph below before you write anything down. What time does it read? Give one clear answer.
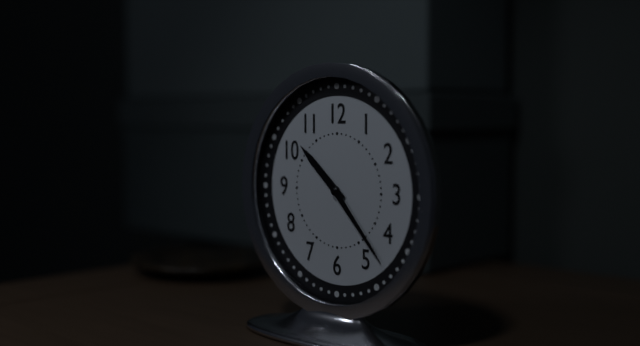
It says 10:23
